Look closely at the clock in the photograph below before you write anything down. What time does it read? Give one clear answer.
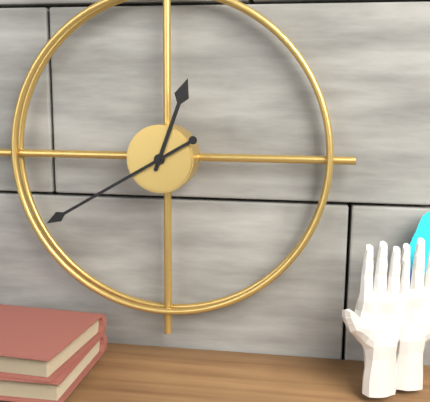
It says 12:40
